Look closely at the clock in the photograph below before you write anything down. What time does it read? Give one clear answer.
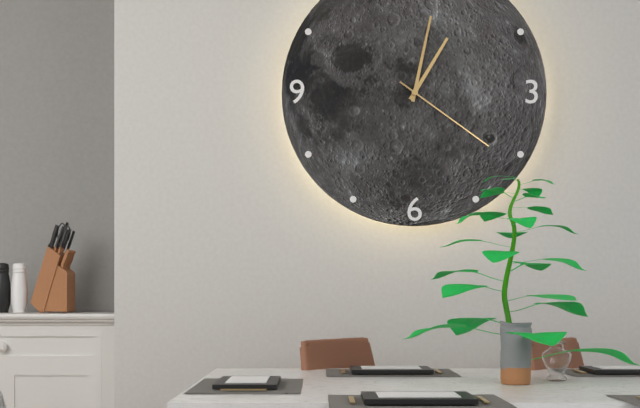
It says 1:02:21
